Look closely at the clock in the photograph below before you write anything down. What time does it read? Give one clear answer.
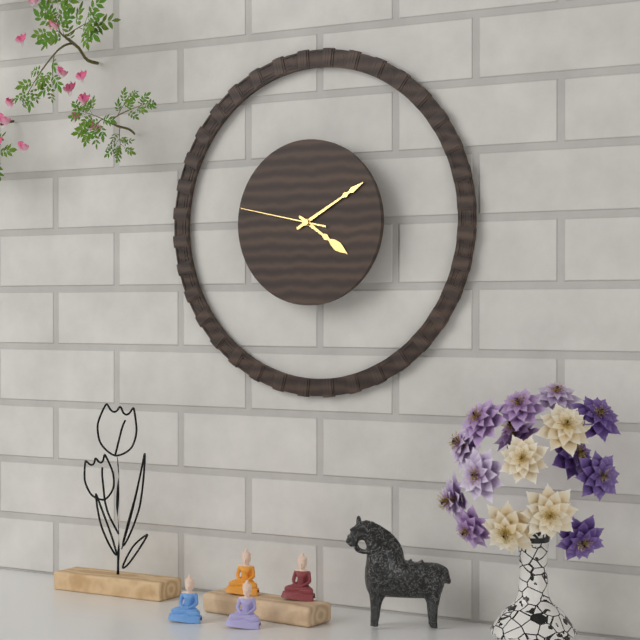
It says 4:10:47
